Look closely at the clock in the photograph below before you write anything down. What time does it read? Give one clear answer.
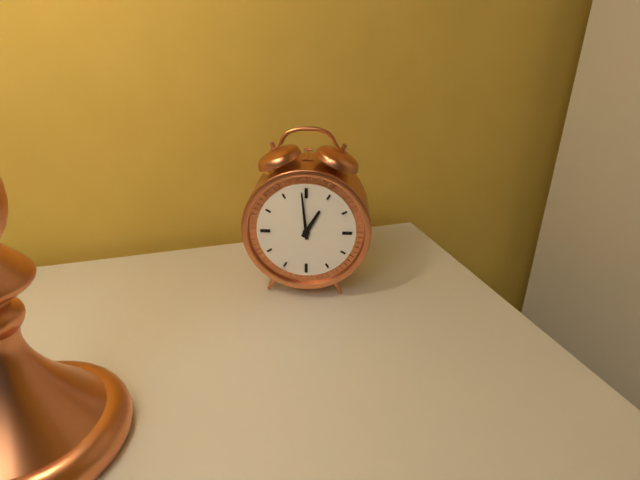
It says 12:59
